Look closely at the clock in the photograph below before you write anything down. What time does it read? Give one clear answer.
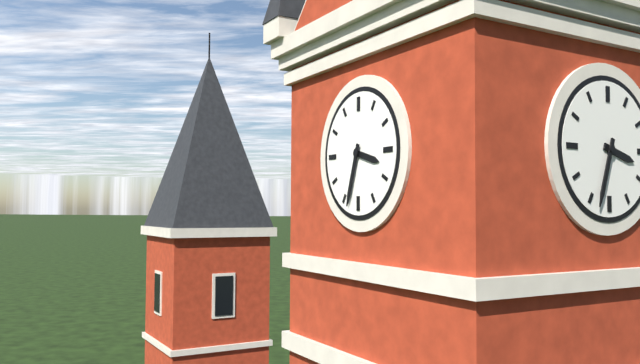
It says 3:33
